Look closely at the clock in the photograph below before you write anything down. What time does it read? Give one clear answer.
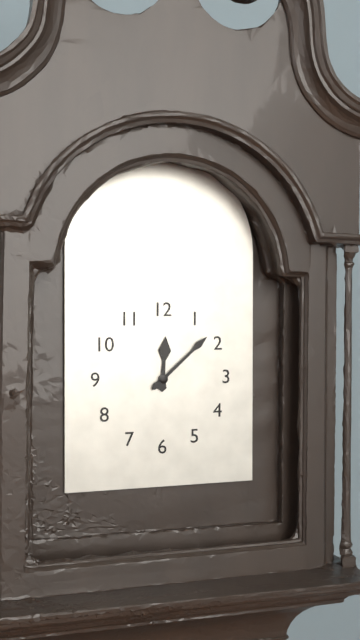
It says 12:08
